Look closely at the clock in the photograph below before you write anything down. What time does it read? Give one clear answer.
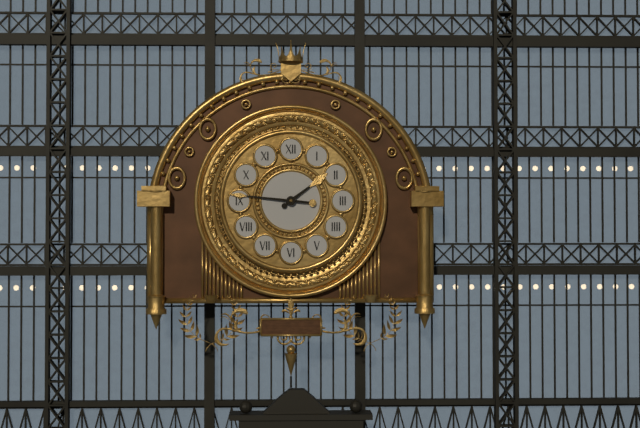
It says 1:46
